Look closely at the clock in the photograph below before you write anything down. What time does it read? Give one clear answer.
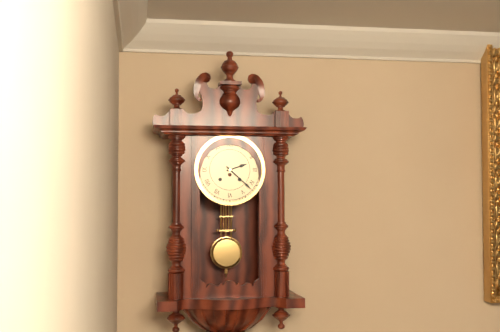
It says 2:22
